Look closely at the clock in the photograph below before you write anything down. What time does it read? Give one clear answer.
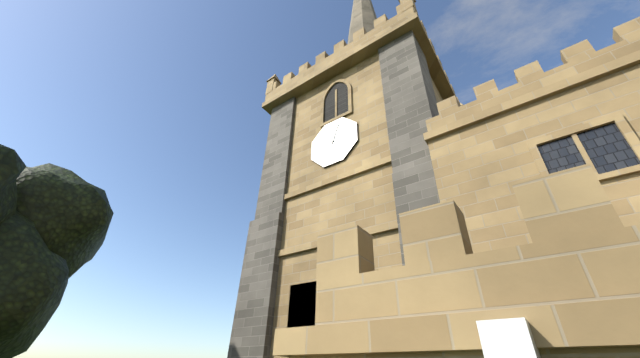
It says 9:03
